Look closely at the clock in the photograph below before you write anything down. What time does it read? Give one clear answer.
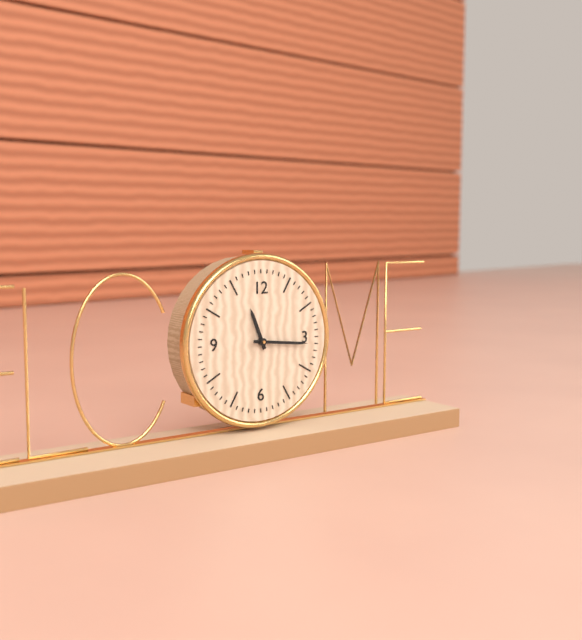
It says 11:16
